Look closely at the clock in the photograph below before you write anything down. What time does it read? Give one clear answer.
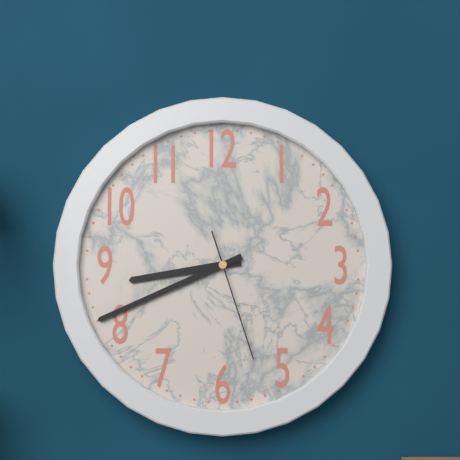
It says 8:41:27
